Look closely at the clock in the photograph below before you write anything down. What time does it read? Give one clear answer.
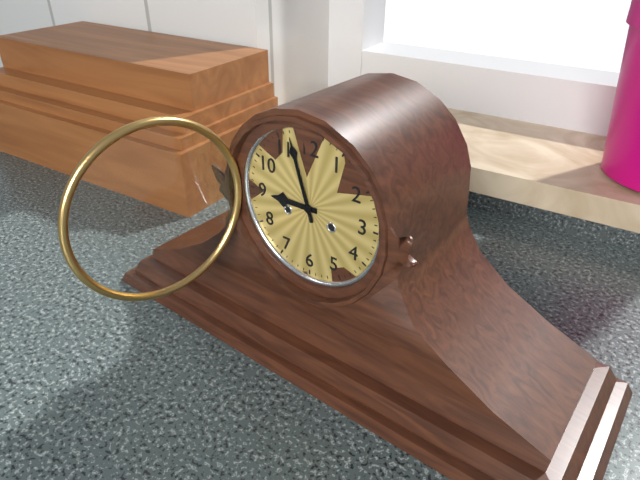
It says 8:57
